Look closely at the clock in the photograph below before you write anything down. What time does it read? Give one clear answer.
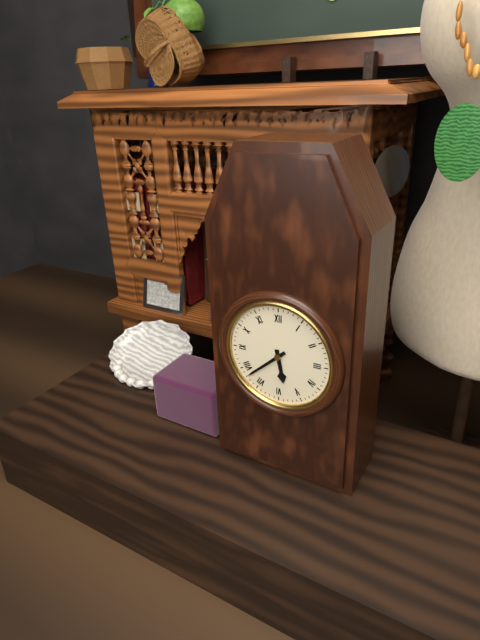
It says 5:38
